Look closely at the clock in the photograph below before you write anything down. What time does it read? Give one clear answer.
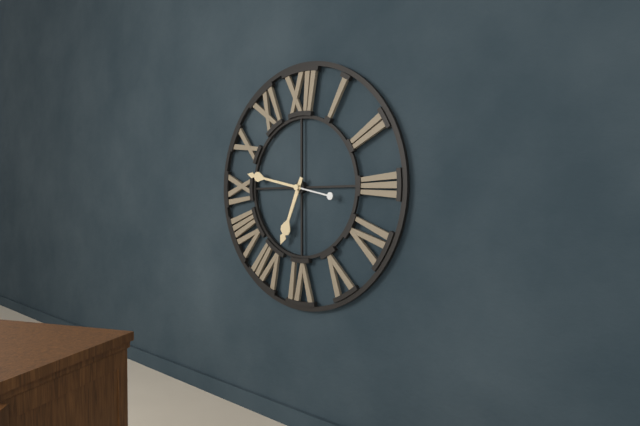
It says 6:47
